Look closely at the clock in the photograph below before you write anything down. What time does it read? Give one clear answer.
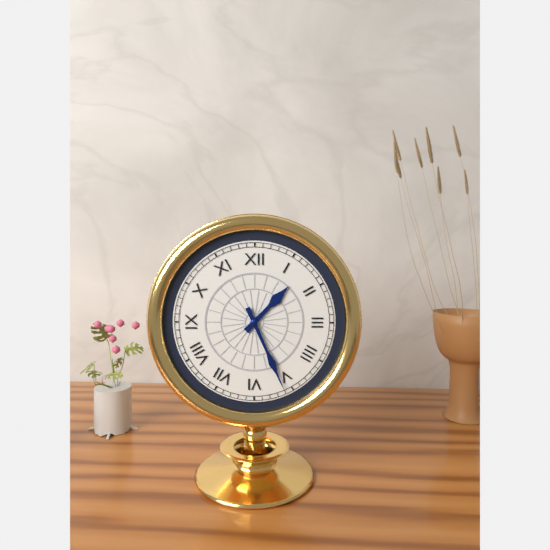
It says 1:26
